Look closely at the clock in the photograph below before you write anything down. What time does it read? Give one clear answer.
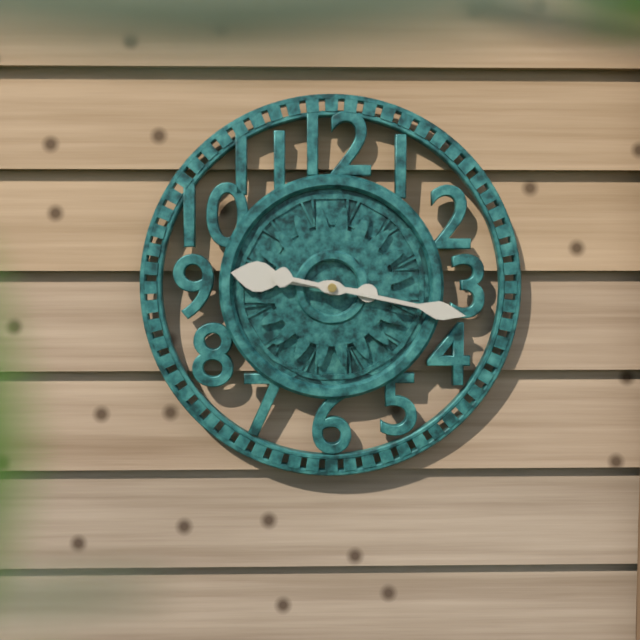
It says 9:17
